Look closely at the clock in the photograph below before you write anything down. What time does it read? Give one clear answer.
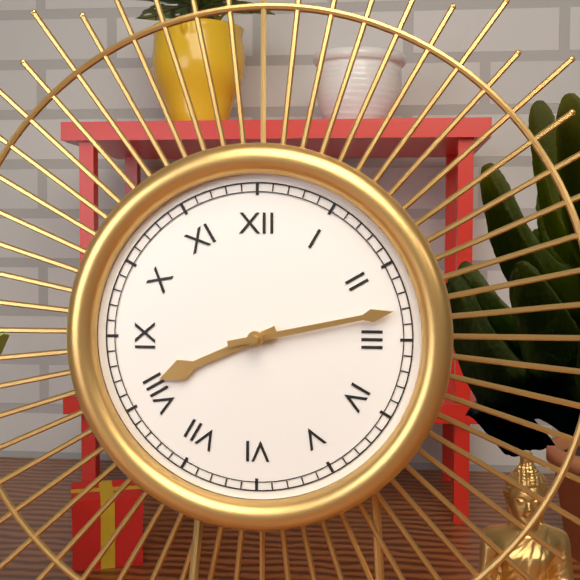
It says 8:13
